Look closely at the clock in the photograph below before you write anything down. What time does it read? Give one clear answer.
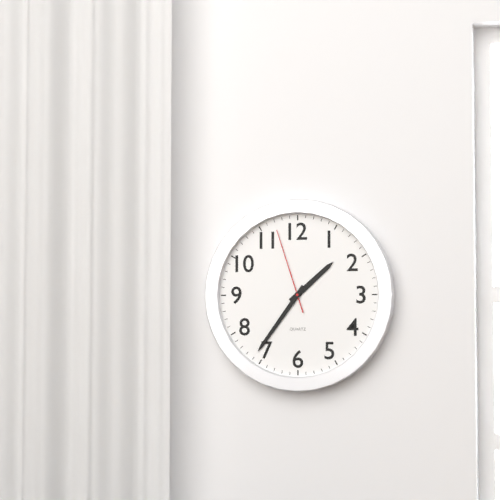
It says 1:36:57
